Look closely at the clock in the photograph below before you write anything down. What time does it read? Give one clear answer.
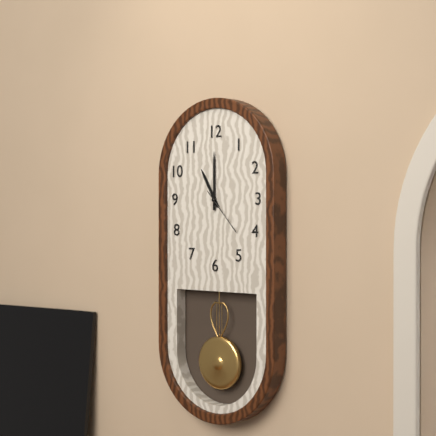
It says 11:00
